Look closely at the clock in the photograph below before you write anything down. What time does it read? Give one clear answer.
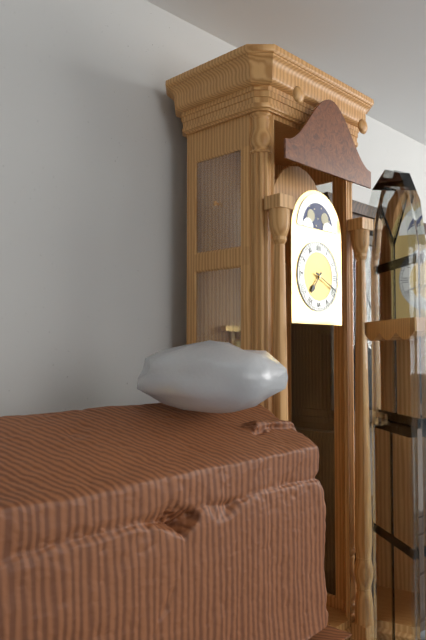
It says 7:19
